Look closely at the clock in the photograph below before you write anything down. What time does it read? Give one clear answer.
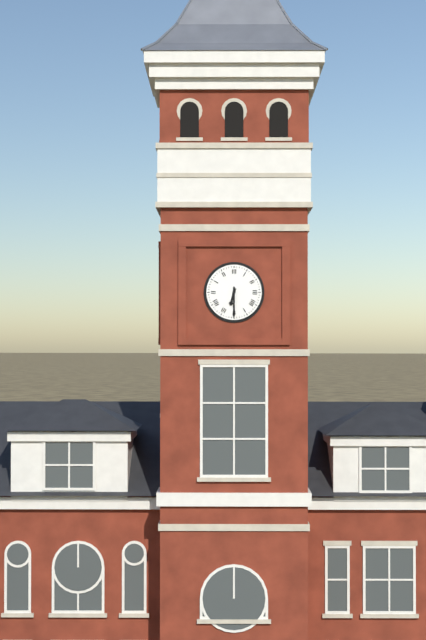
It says 6:30
